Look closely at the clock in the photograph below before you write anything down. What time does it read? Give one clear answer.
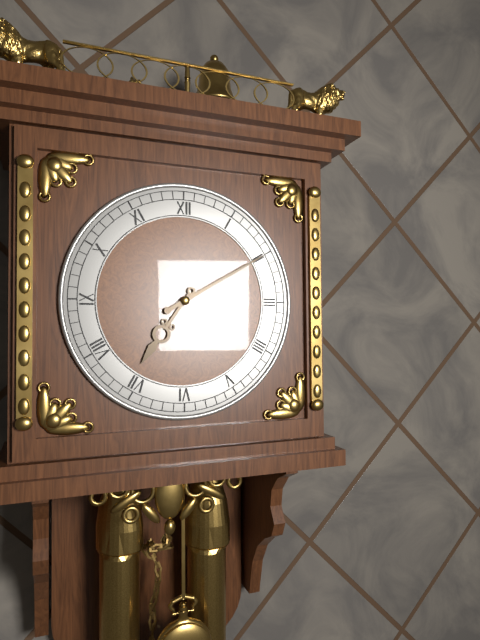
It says 7:10
